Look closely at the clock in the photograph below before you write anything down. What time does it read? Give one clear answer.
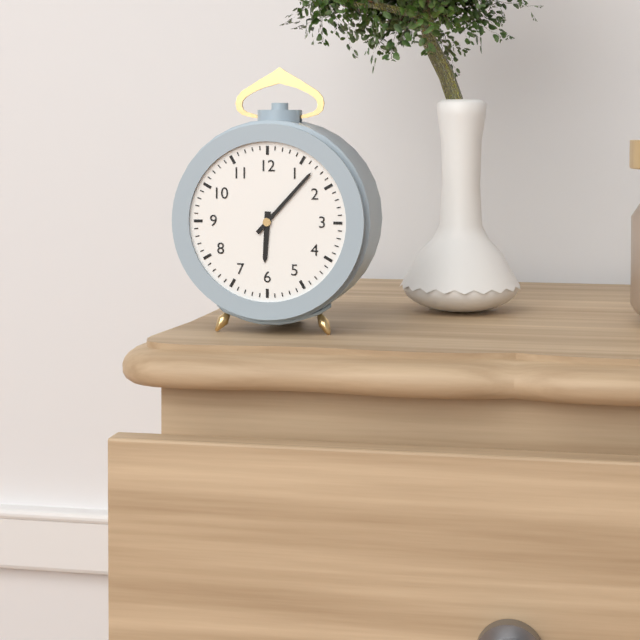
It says 6:07
